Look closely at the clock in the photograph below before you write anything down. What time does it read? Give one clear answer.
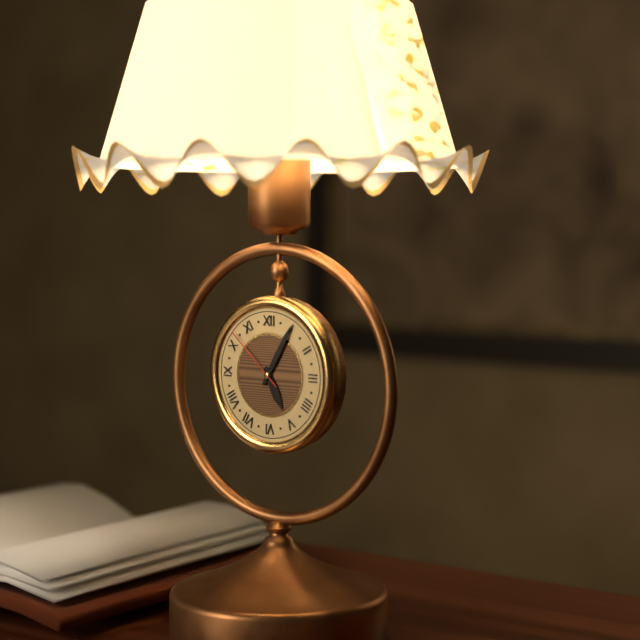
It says 5:05:52
